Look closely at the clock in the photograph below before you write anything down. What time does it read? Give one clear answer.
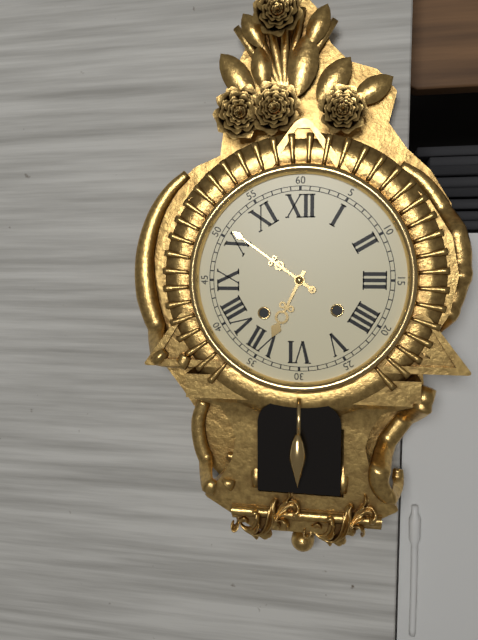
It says 6:51
